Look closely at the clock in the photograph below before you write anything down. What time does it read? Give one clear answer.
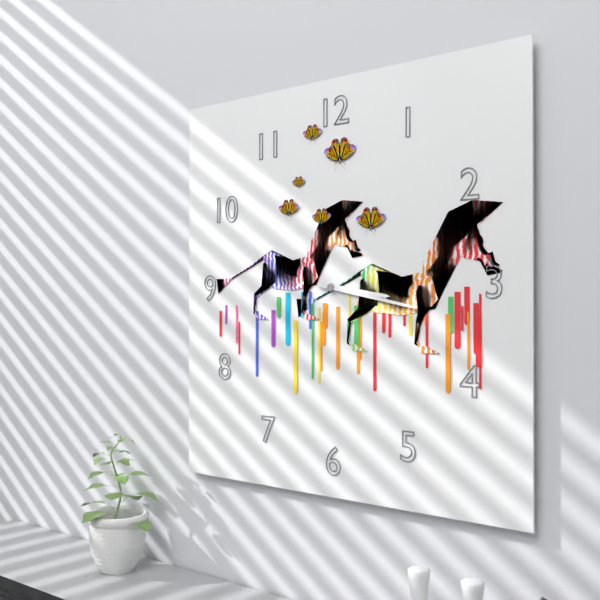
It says 3:17
